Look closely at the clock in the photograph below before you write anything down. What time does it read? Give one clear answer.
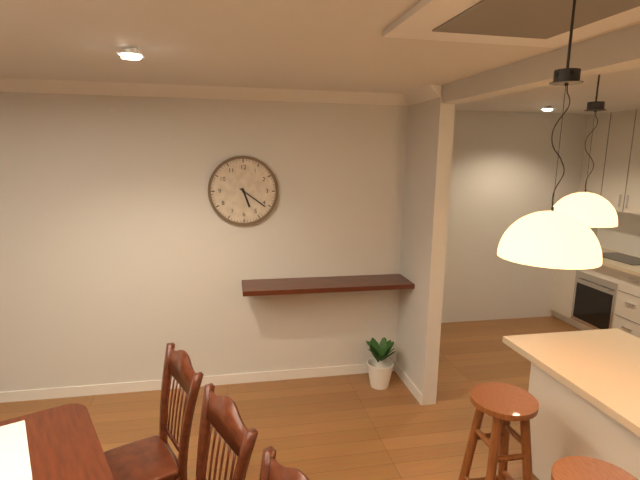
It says 5:21
